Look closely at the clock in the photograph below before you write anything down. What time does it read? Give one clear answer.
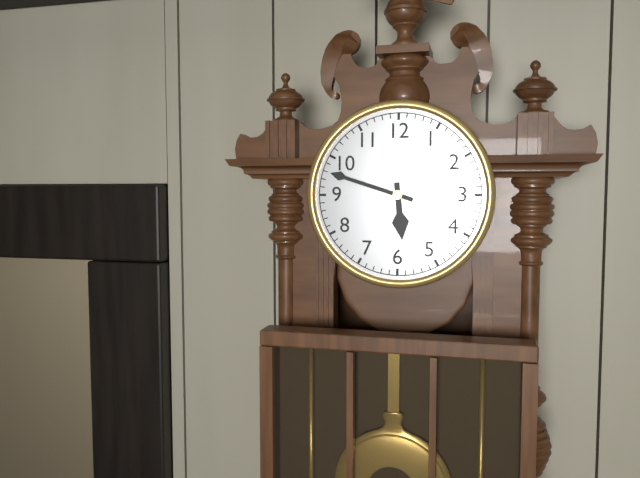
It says 5:48
